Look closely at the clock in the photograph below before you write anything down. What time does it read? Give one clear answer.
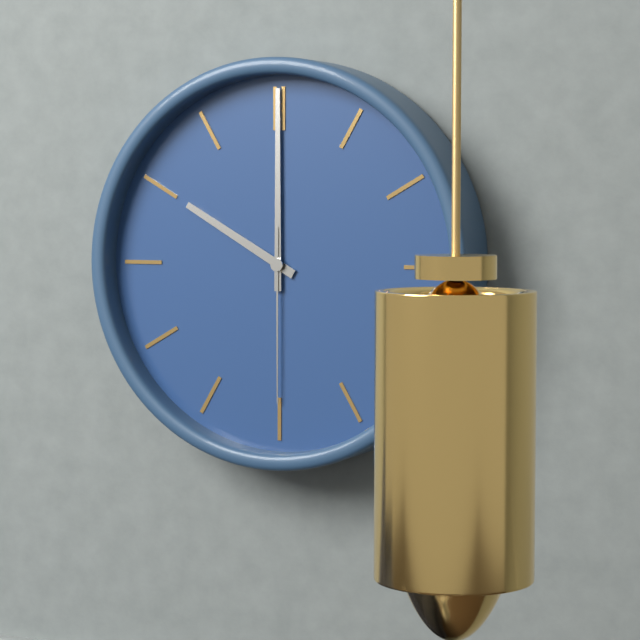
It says 10:00:30
